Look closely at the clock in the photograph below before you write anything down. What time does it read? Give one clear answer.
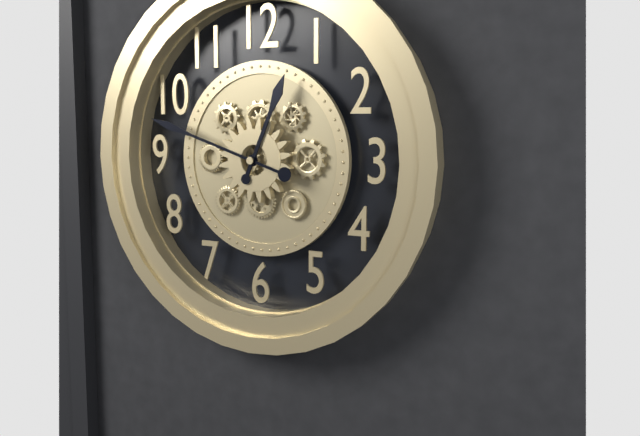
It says 12:48
